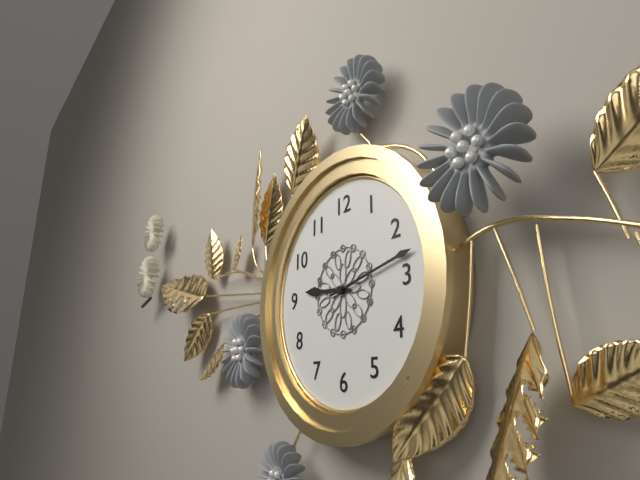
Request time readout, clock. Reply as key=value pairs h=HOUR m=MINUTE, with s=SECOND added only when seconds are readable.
h=9 m=13
